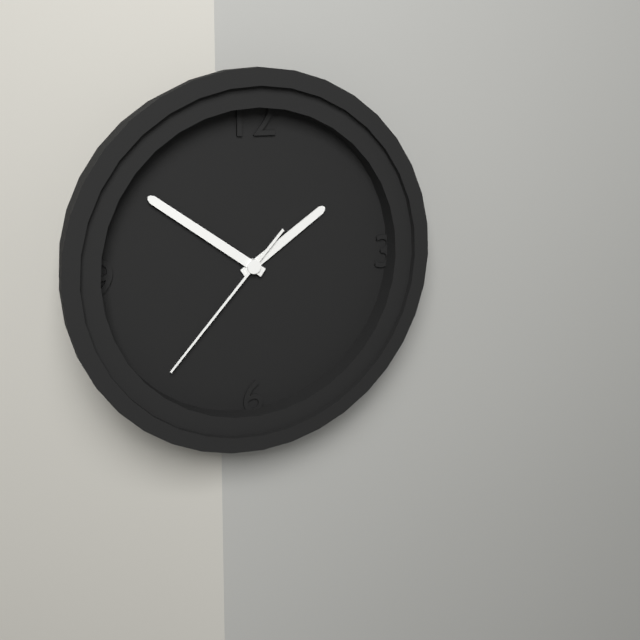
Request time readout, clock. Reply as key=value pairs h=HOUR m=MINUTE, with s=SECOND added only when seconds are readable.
h=1 m=51 s=37
